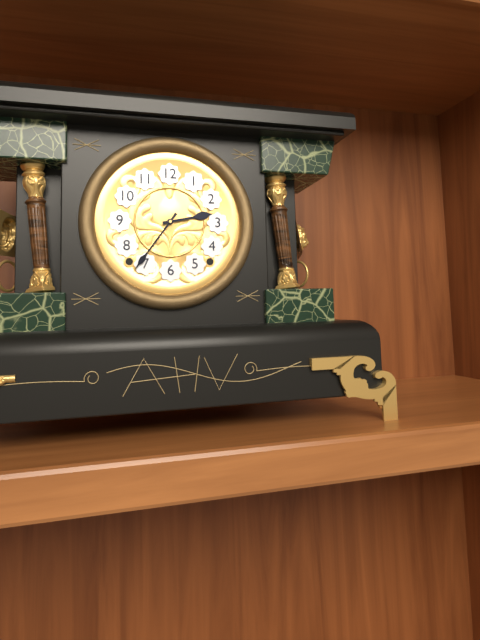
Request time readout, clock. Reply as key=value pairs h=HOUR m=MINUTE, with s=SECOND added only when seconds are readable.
h=2 m=36
